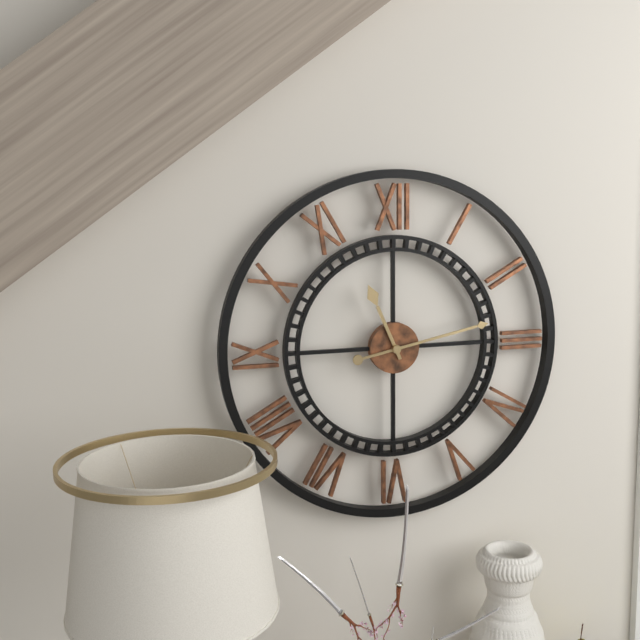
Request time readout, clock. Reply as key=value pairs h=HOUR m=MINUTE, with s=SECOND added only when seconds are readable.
h=11 m=13
